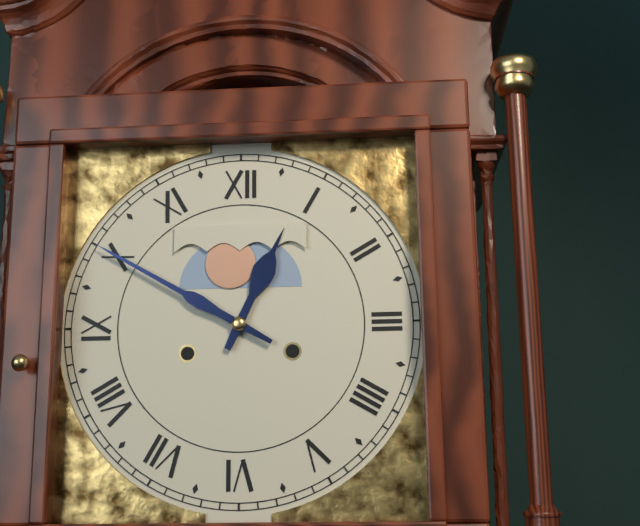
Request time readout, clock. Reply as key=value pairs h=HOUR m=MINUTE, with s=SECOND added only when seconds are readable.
h=12 m=50
